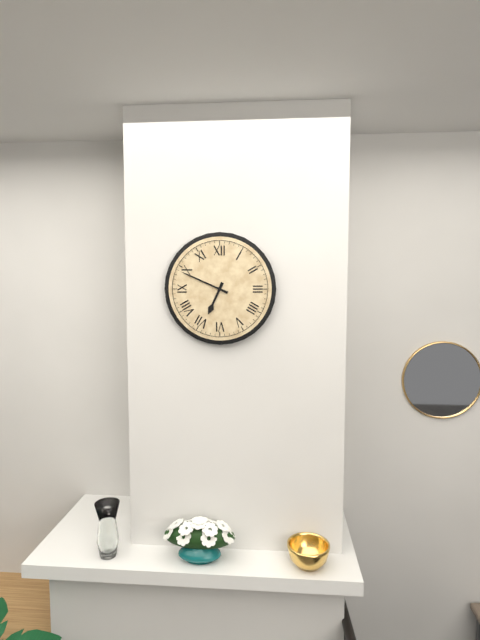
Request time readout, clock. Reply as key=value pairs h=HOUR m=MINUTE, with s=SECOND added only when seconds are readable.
h=6 m=49
